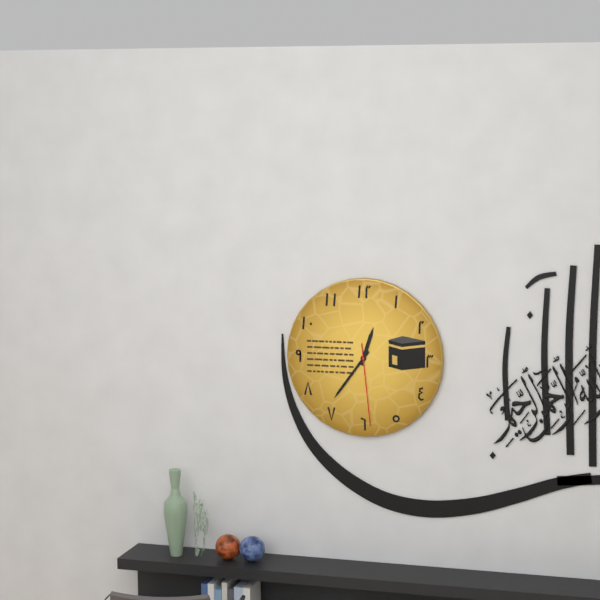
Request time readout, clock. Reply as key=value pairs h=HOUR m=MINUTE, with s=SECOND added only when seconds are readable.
h=12 m=36 s=29
